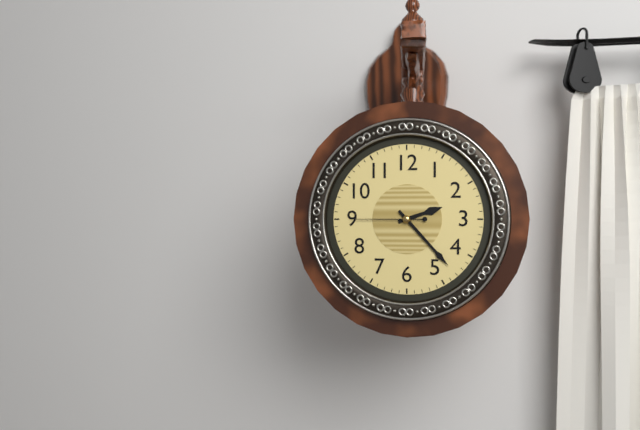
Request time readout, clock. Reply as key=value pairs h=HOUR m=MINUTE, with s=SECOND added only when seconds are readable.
h=2 m=23 s=45
